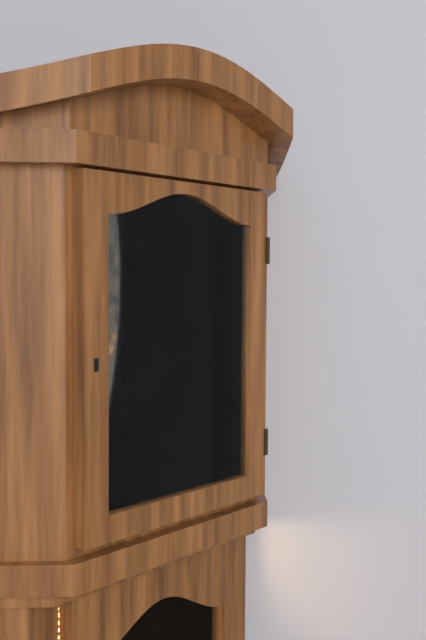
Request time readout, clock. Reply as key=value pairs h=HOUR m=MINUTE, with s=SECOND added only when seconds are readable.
h=8 m=33
